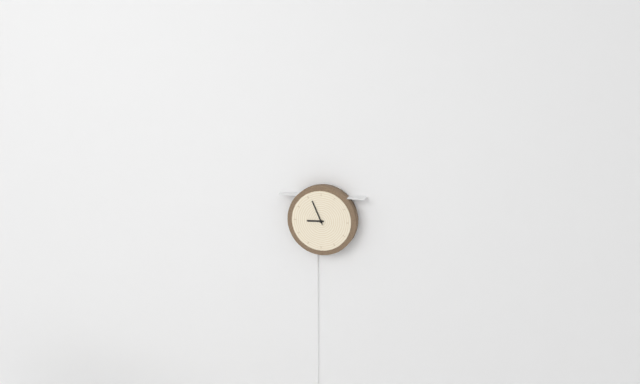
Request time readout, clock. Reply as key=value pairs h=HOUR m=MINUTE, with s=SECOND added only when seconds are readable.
h=8 m=56
